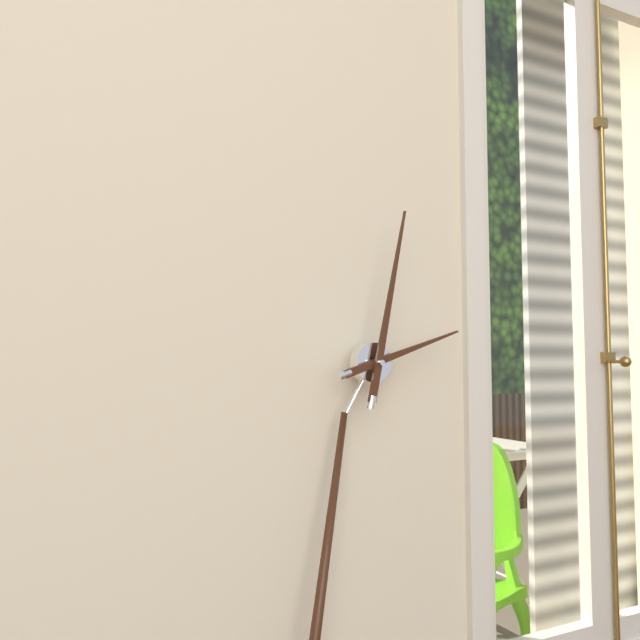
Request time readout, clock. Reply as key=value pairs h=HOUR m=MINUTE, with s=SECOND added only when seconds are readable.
h=2 m=0
